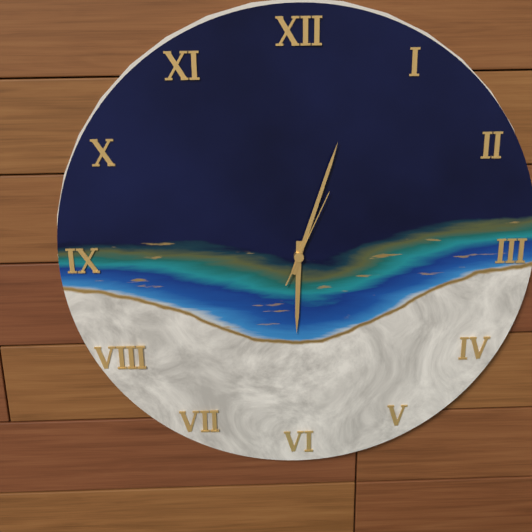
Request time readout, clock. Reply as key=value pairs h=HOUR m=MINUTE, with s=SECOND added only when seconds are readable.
h=6 m=3 s=4
